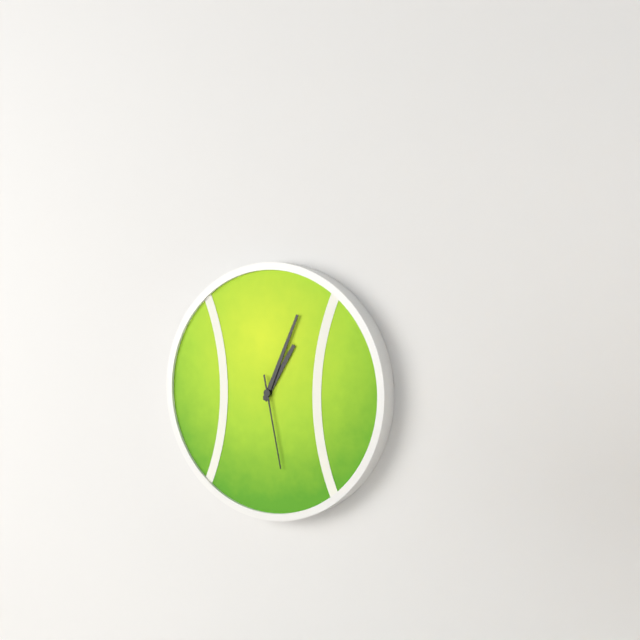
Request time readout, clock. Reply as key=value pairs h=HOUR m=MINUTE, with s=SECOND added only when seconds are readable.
h=1 m=4 s=28
